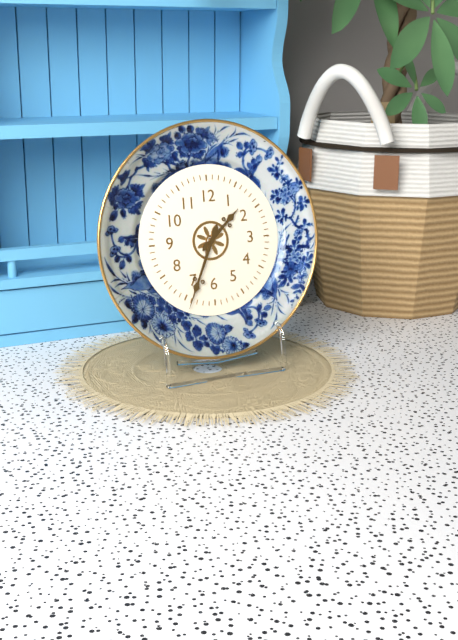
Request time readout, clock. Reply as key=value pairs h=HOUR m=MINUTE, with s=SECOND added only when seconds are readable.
h=1 m=34
